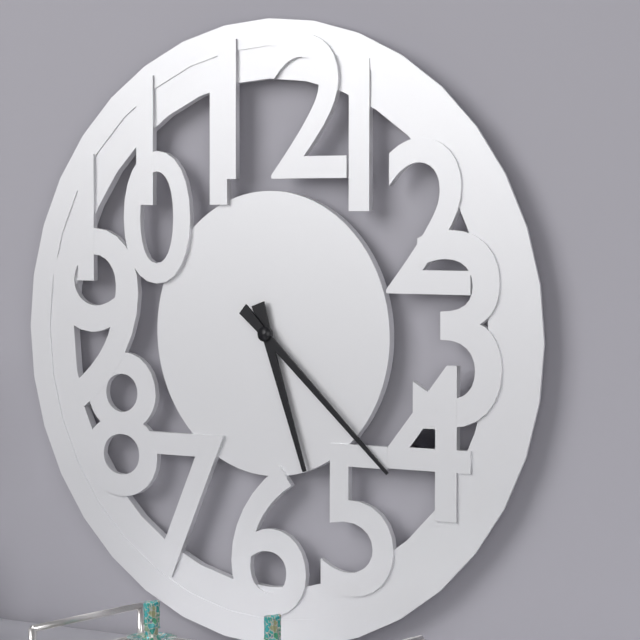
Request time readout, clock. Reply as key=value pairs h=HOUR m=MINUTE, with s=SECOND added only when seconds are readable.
h=5 m=22
